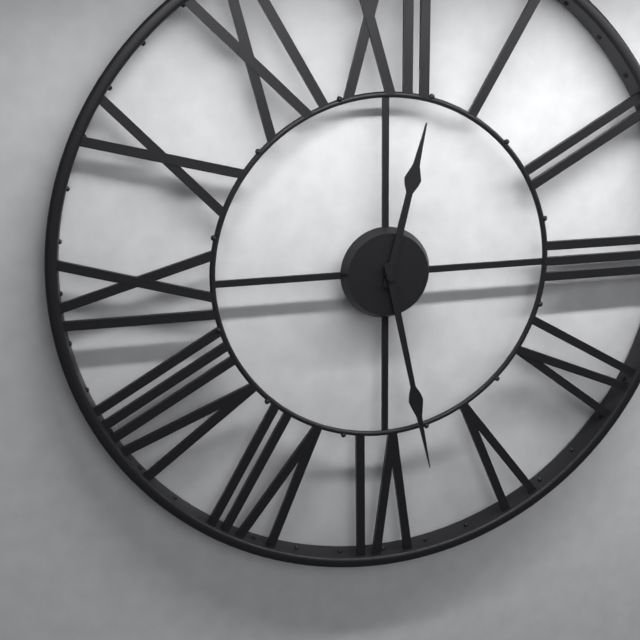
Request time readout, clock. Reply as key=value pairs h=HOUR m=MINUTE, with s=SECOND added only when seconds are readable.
h=12 m=28
